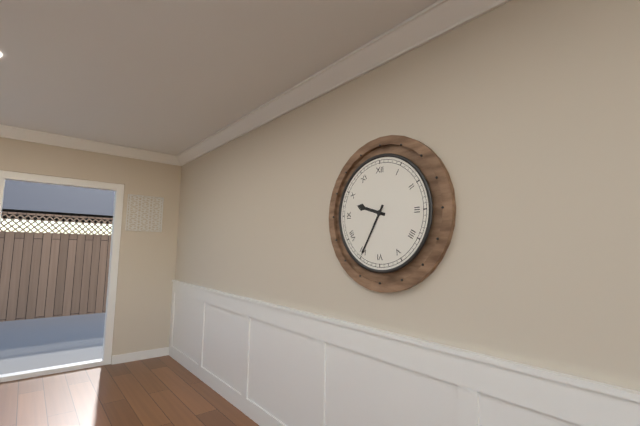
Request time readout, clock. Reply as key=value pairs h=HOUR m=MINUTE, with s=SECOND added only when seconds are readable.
h=9 m=35
